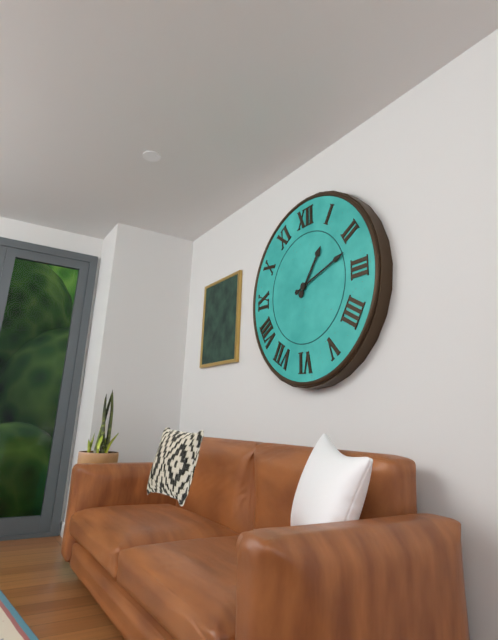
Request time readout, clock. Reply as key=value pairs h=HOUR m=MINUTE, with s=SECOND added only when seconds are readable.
h=1 m=12
